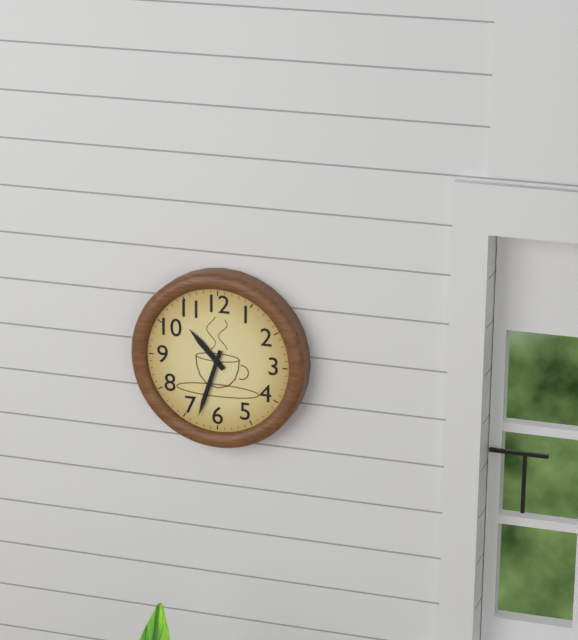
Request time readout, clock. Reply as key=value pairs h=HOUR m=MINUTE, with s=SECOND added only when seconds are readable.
h=10 m=33
